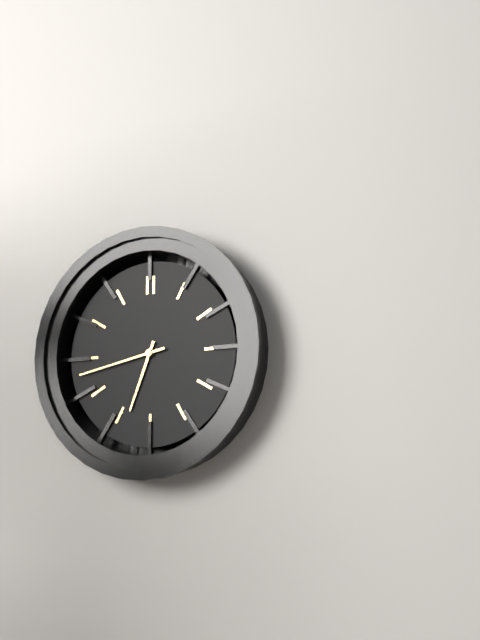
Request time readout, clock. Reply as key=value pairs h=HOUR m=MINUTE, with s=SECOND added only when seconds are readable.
h=6 m=43
